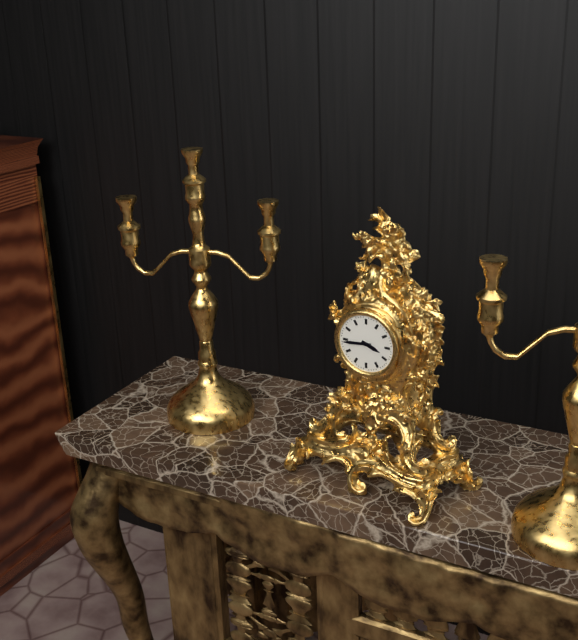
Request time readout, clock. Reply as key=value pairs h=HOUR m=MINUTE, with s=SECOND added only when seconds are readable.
h=3 m=44
